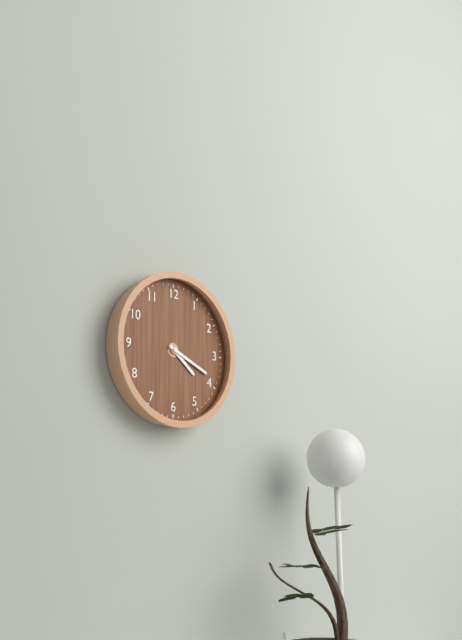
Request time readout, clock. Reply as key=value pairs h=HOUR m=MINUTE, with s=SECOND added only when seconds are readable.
h=4 m=19
